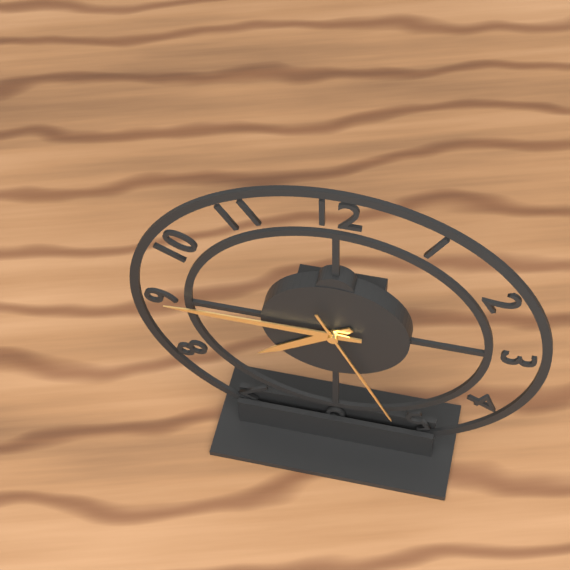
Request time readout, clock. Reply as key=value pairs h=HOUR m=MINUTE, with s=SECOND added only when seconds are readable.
h=7 m=45 s=26
